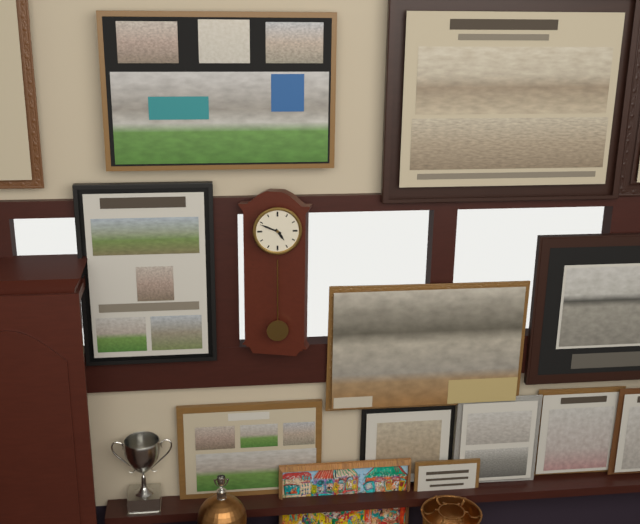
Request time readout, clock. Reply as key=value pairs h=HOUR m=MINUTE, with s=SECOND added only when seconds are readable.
h=4 m=49
